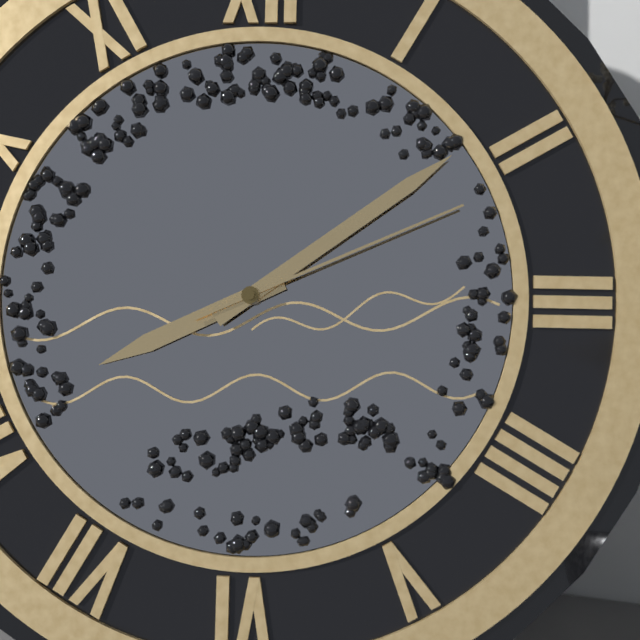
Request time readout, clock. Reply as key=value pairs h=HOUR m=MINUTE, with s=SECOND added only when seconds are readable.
h=8 m=9 s=11
